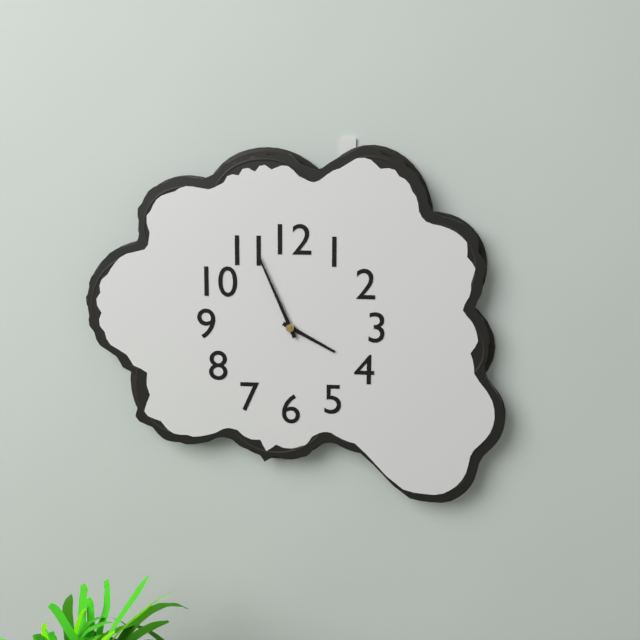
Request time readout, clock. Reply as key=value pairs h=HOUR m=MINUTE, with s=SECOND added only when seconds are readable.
h=3 m=56
